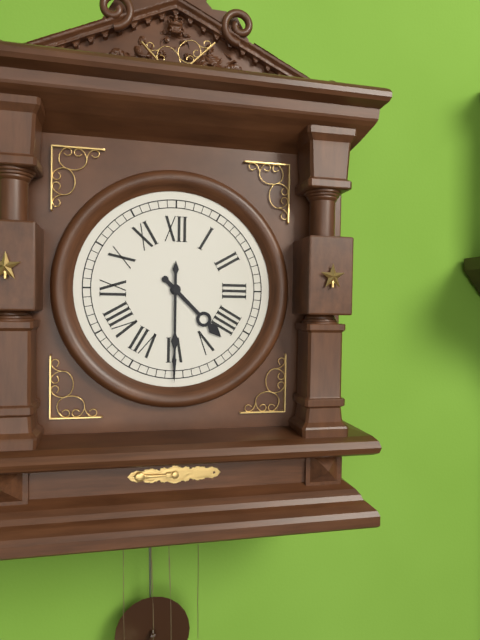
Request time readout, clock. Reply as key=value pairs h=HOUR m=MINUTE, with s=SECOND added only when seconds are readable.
h=4 m=30
